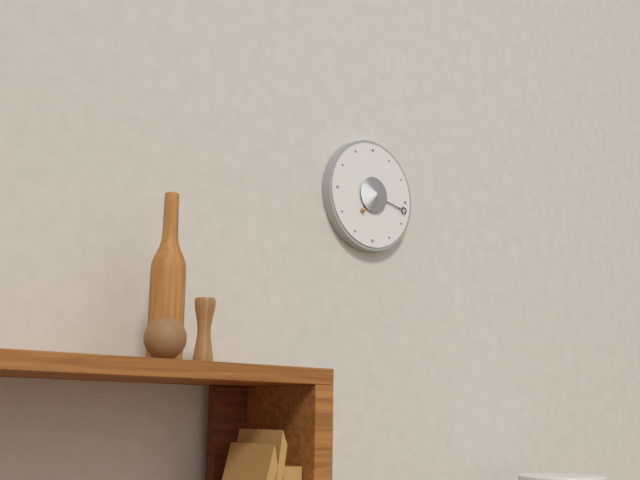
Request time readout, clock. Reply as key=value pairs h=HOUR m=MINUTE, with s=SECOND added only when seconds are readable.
h=7 m=17
